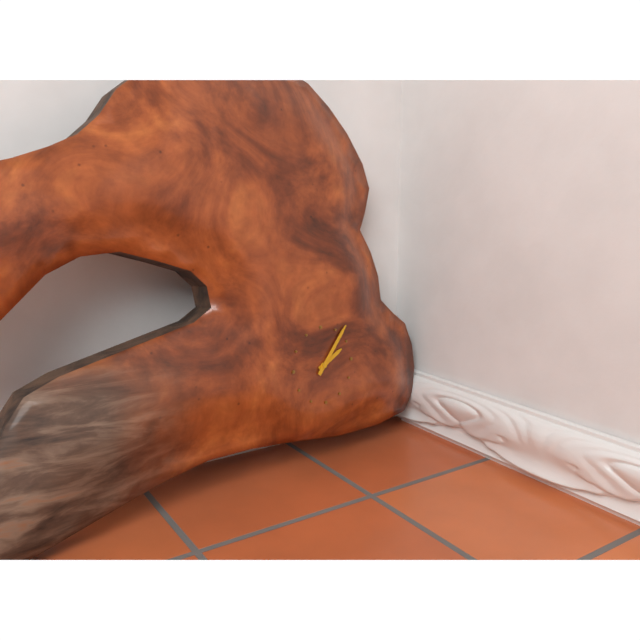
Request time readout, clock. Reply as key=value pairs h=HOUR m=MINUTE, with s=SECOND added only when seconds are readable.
h=2 m=7
